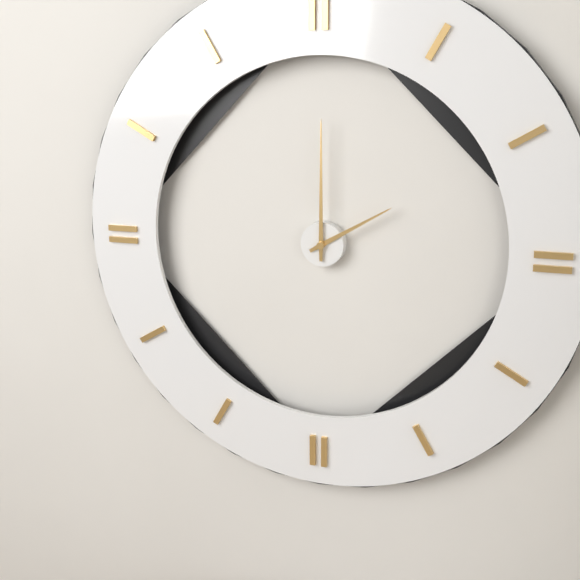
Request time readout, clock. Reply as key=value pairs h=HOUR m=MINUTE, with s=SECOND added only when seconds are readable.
h=2 m=0
